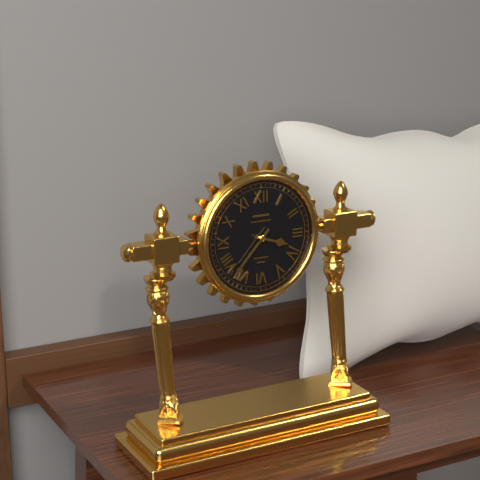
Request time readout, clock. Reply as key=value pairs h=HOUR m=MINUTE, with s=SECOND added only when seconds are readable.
h=3 m=37
